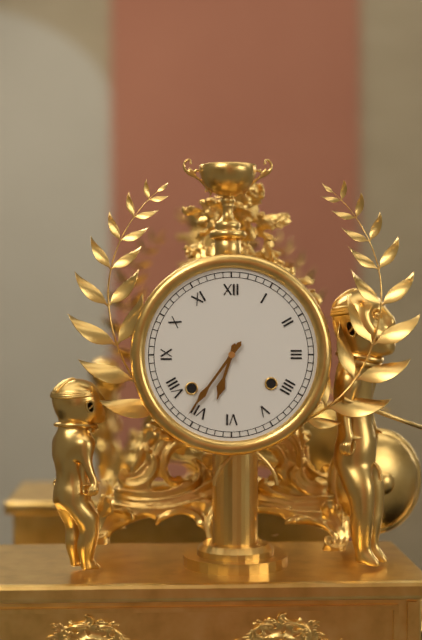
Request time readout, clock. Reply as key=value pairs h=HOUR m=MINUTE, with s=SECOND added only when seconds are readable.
h=6 m=36
